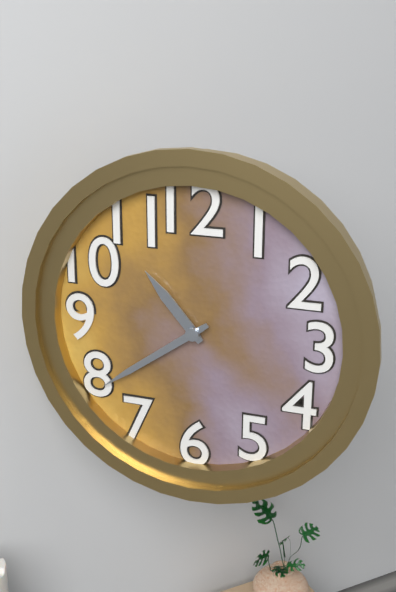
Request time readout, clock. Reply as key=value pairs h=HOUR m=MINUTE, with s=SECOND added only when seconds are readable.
h=10 m=39
